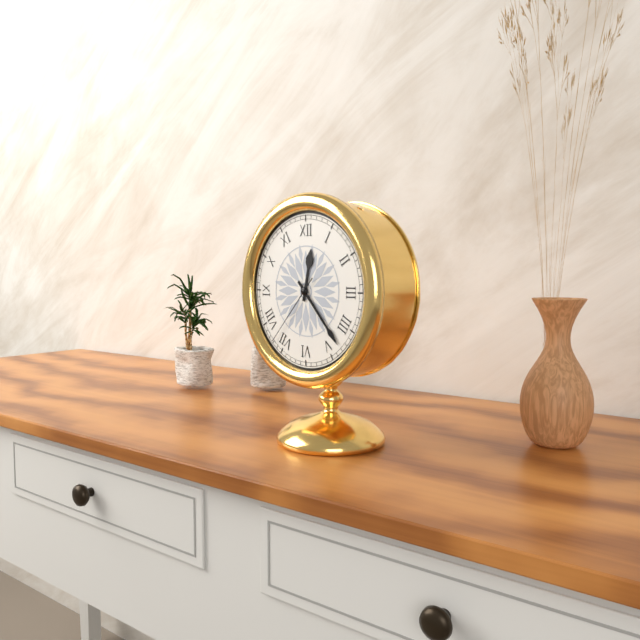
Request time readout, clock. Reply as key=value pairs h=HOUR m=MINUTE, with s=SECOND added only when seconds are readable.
h=12 m=23 s=37
